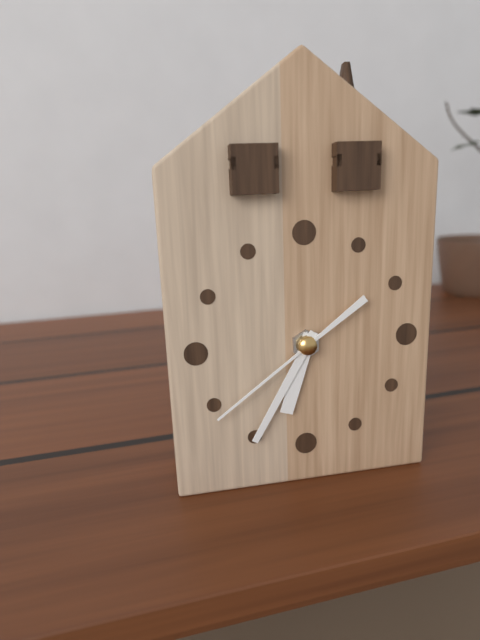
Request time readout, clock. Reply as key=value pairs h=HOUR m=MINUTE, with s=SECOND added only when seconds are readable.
h=6 m=35 s=39
